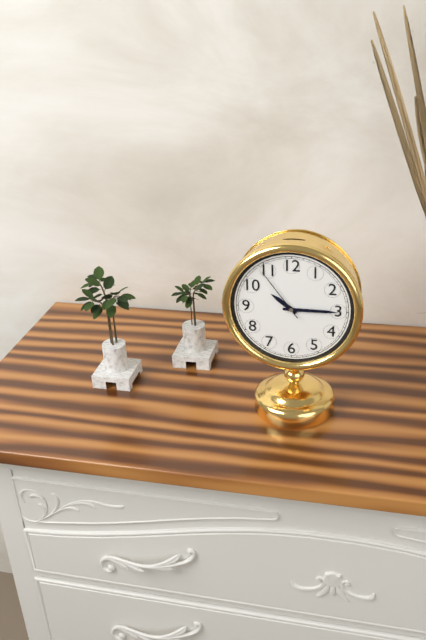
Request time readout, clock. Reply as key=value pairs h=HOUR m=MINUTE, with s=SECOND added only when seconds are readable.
h=10 m=15 s=54
